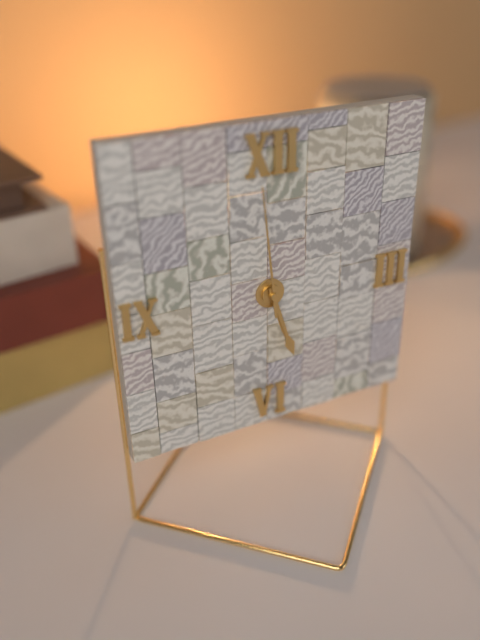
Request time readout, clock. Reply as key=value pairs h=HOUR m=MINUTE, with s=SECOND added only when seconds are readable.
h=5 m=27 s=59
